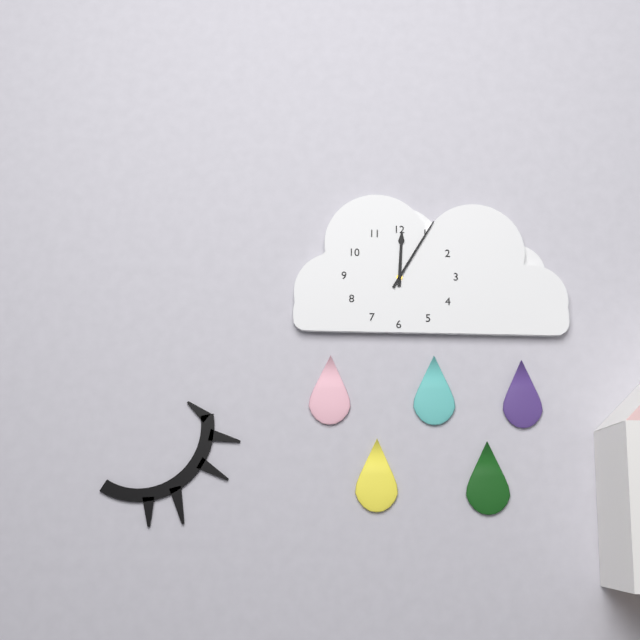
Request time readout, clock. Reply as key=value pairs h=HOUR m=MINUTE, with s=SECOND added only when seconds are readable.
h=12 m=5
